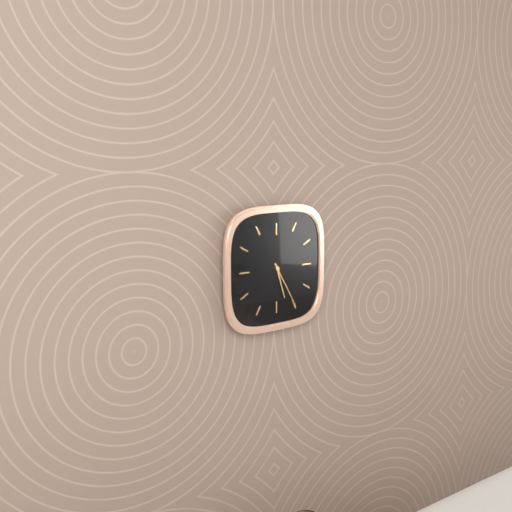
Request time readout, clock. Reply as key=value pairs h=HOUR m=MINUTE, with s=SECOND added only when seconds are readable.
h=5 m=25
